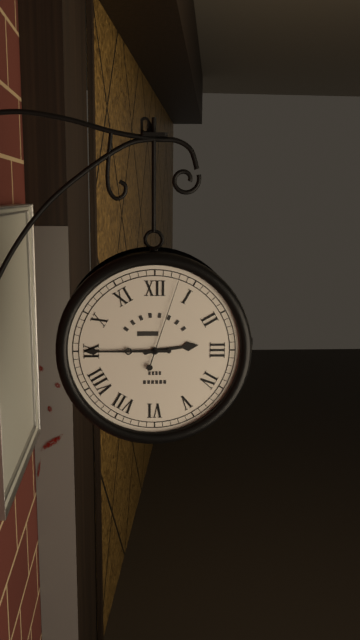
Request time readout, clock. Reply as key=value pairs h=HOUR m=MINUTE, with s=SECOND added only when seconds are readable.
h=2 m=45 s=3
